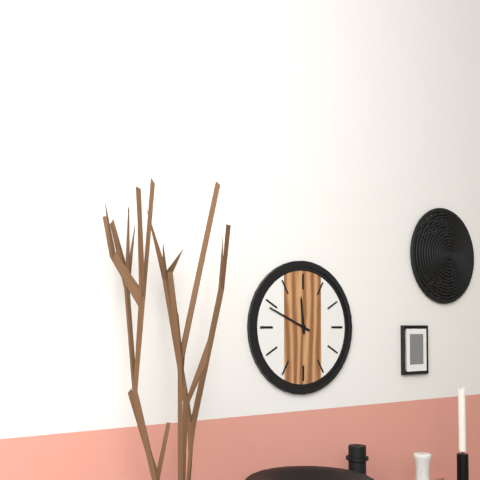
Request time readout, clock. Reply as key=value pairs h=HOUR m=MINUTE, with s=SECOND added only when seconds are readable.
h=11 m=49
